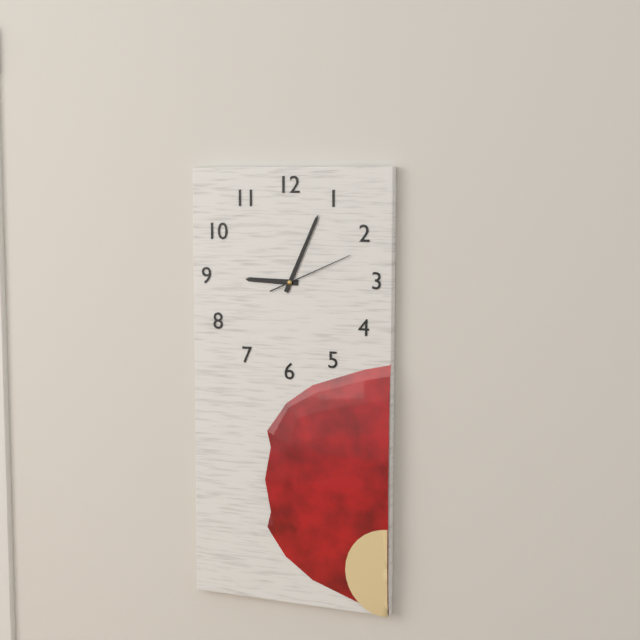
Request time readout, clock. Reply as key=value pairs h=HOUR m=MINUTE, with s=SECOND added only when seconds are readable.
h=9 m=4 s=11
